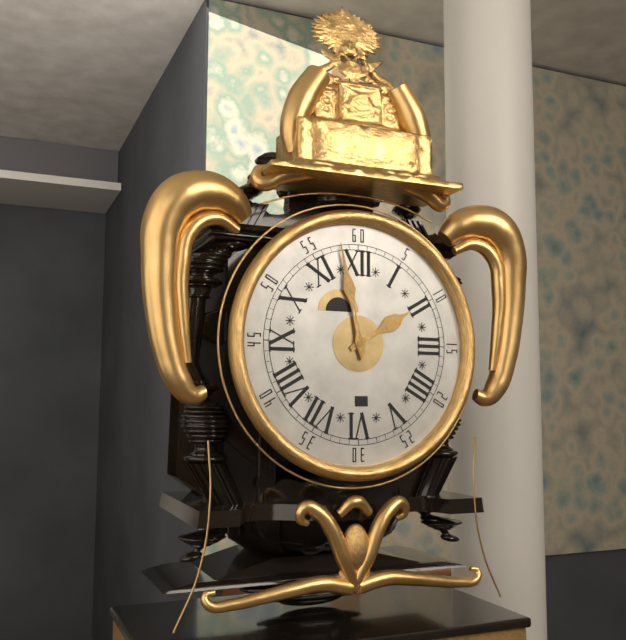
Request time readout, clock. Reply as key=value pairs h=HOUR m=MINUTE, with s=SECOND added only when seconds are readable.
h=1 m=58
